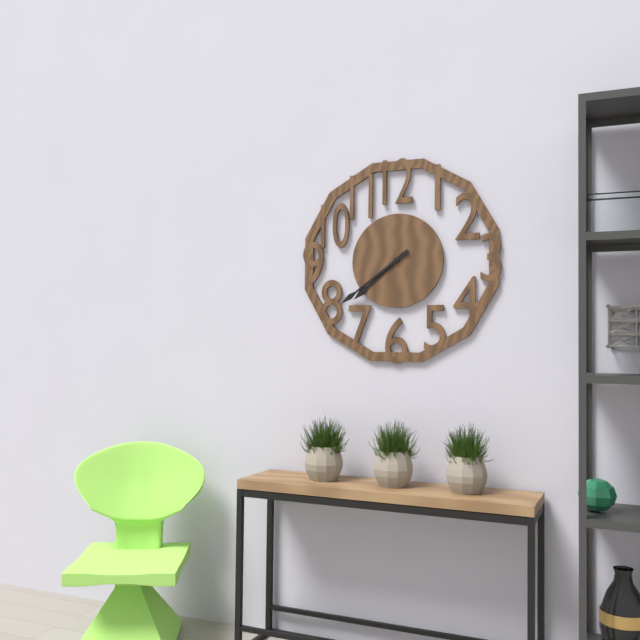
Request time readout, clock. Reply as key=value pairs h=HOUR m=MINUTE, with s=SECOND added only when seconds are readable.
h=7 m=39
